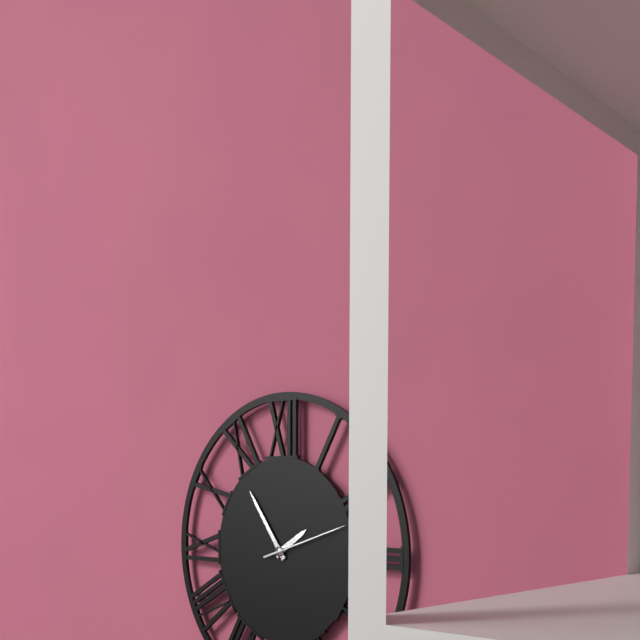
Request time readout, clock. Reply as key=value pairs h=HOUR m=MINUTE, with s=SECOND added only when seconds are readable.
h=1 m=54 s=12
